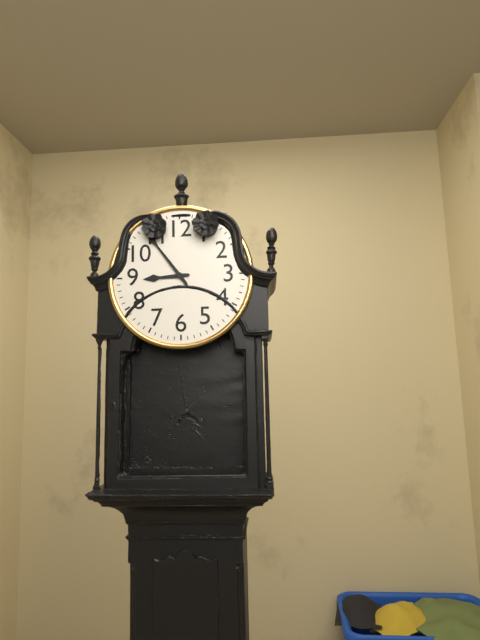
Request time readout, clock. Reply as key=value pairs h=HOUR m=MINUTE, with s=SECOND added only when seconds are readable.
h=8 m=54
